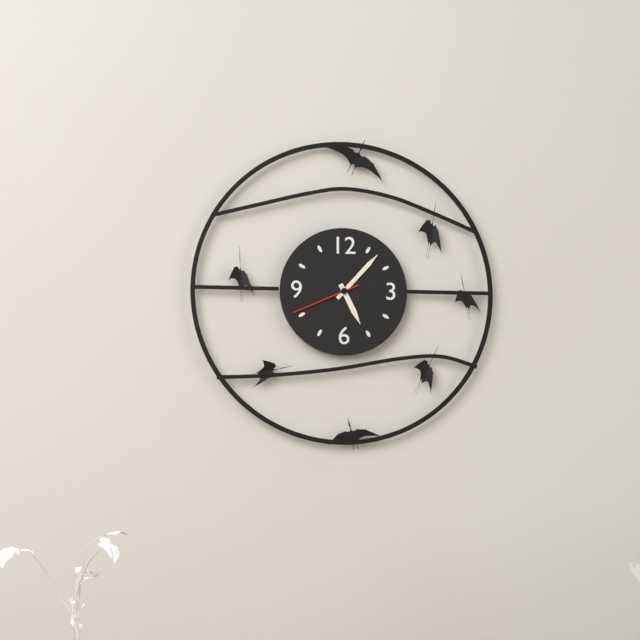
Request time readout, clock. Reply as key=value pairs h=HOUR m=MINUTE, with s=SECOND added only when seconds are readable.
h=5 m=7 s=41
